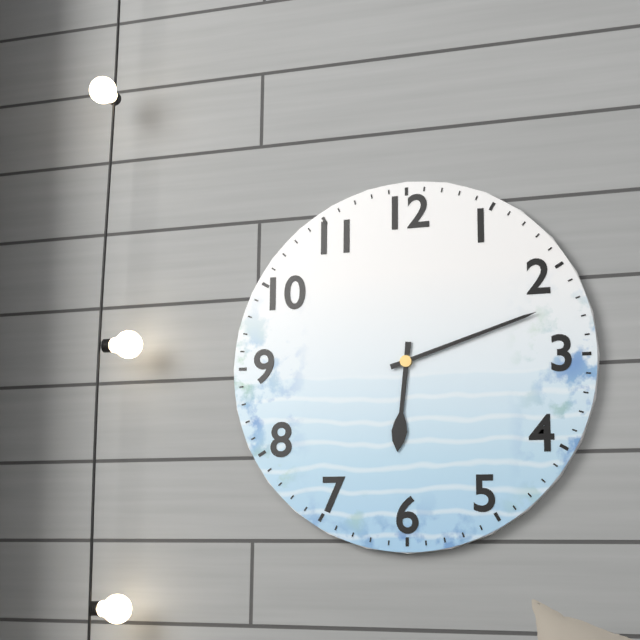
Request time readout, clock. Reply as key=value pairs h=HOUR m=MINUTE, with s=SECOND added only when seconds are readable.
h=6 m=12
